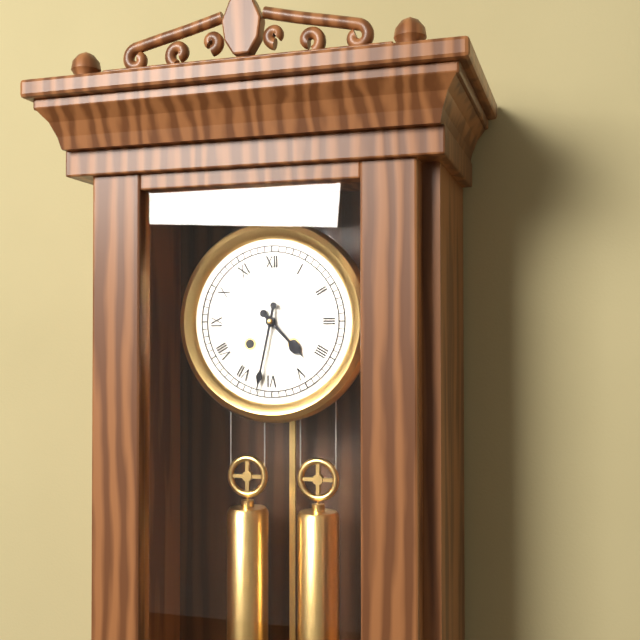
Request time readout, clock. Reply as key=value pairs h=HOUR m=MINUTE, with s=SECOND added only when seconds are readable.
h=4 m=32
